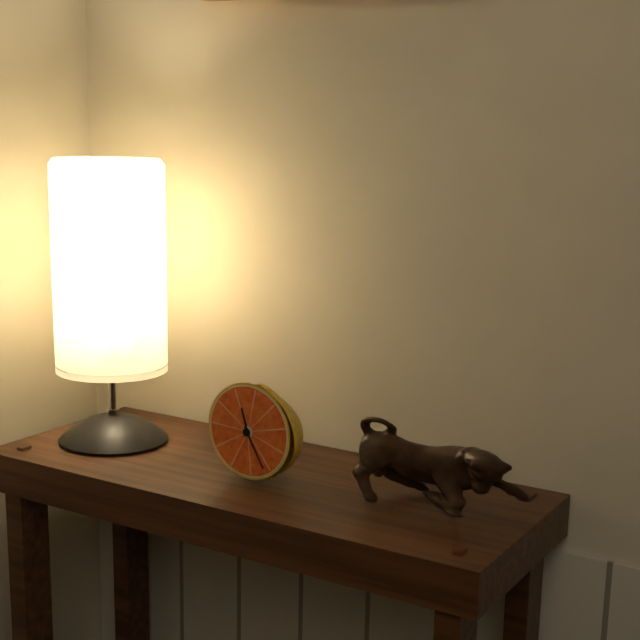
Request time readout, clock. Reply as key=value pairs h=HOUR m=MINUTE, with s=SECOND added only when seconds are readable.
h=11 m=25
